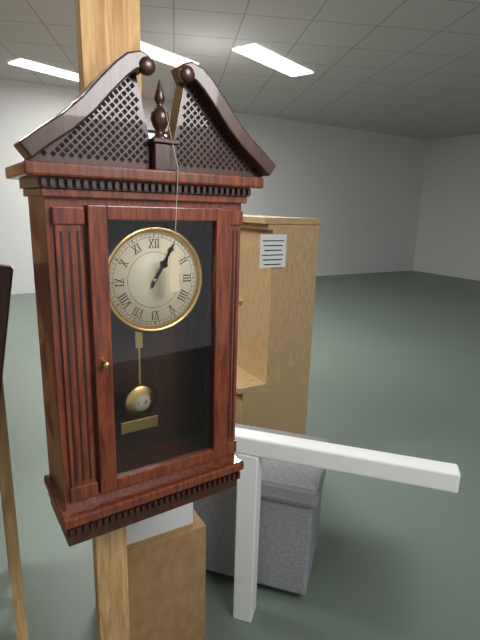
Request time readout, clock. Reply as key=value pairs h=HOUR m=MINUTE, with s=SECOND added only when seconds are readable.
h=1 m=5
